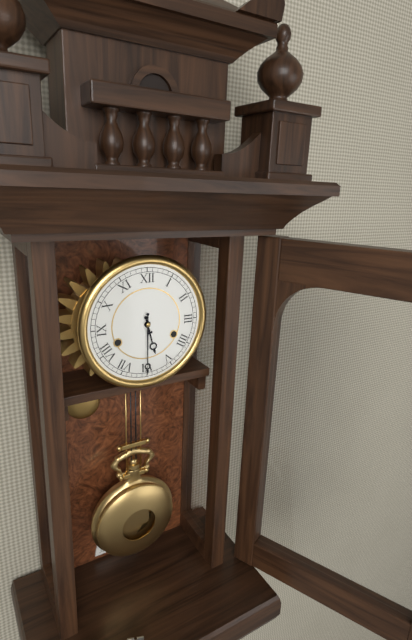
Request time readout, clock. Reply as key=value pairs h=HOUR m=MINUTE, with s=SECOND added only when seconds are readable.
h=5 m=30
